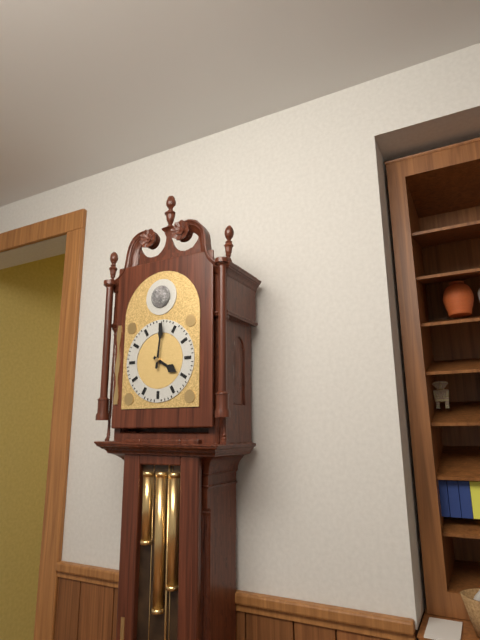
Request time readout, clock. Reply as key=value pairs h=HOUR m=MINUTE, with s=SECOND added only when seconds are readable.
h=4 m=1
